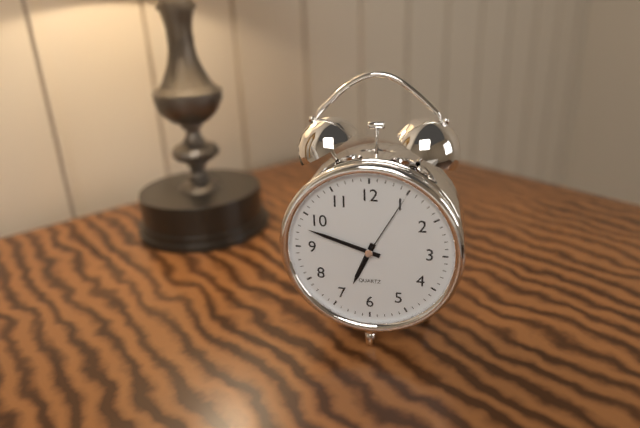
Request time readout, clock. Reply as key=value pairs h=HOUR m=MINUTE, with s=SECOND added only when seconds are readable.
h=6 m=48 s=5
